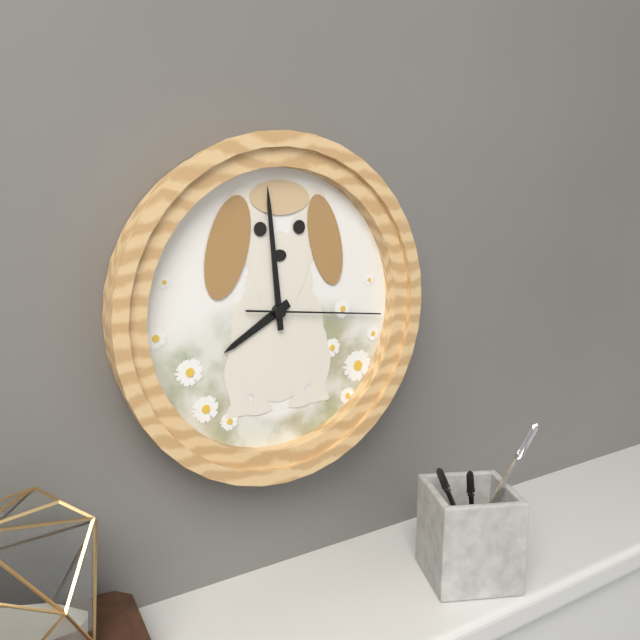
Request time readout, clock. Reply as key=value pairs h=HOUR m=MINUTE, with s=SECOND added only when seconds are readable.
h=7 m=59 s=16
